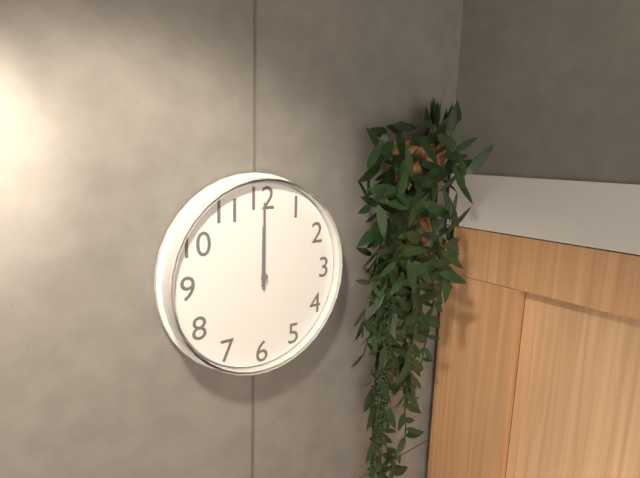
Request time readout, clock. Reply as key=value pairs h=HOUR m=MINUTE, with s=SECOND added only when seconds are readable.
h=12 m=0
